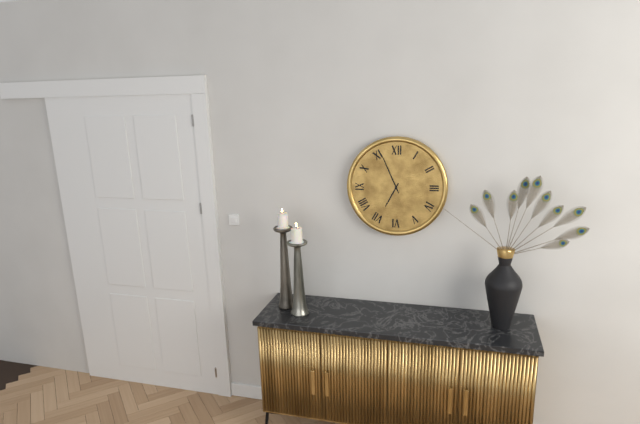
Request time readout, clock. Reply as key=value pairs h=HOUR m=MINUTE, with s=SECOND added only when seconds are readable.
h=6 m=56
